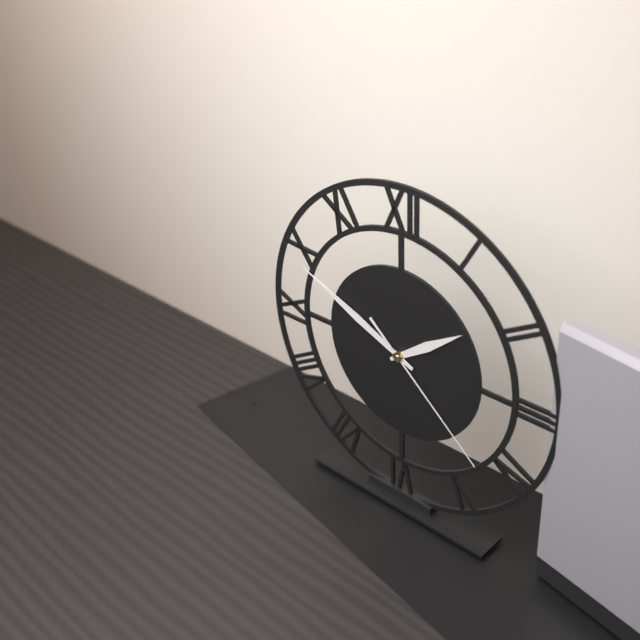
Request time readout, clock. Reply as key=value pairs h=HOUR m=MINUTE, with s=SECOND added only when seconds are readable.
h=1 m=49 s=22
